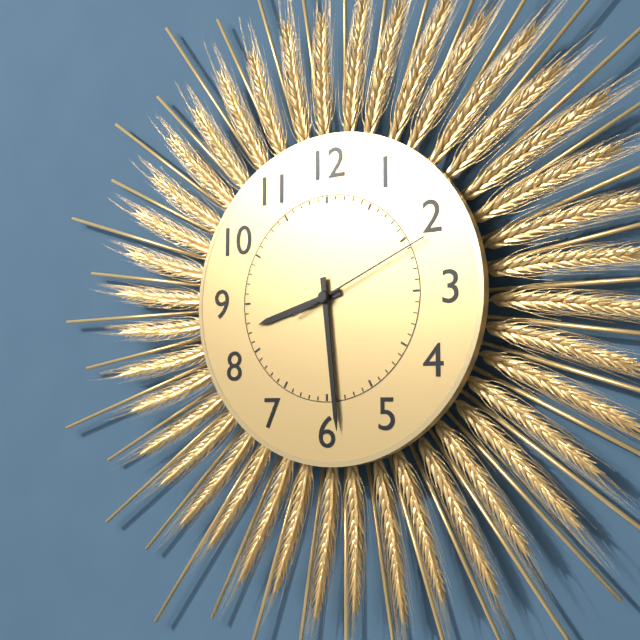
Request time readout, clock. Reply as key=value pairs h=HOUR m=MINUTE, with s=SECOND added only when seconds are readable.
h=8 m=29 s=11
